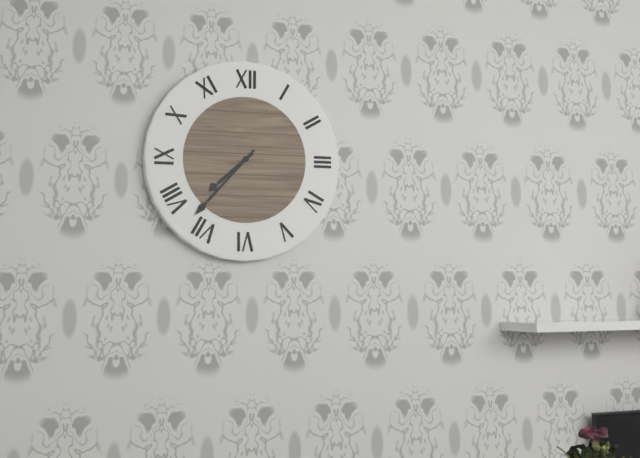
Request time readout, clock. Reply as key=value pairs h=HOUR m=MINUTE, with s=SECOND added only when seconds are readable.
h=7 m=37
